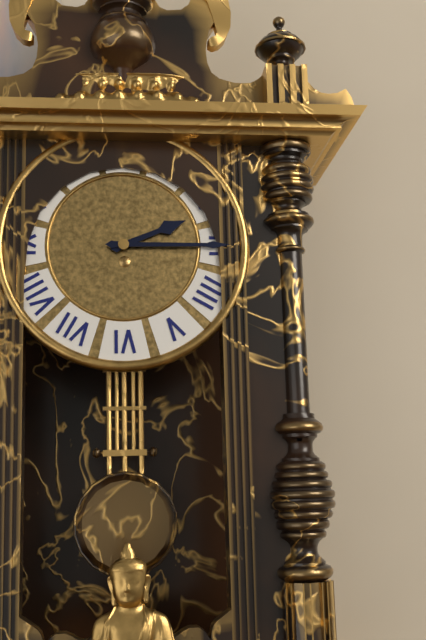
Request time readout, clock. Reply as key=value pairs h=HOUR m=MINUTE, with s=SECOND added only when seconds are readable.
h=2 m=15
